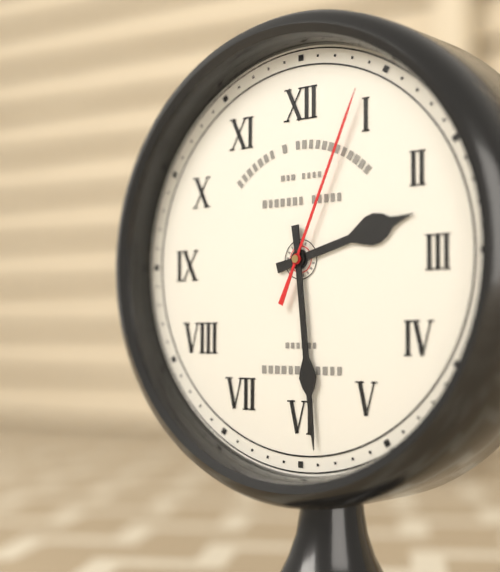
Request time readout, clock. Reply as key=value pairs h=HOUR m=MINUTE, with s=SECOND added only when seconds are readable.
h=2 m=29 s=4
